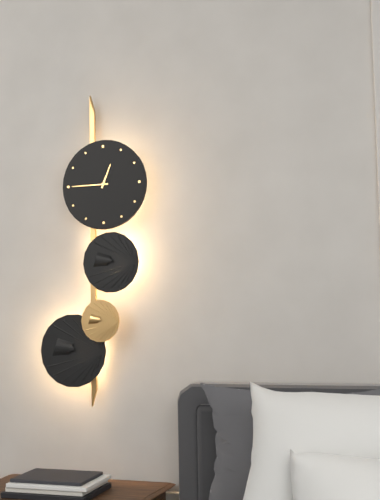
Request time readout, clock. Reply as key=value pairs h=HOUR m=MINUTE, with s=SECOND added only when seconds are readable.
h=12 m=45
